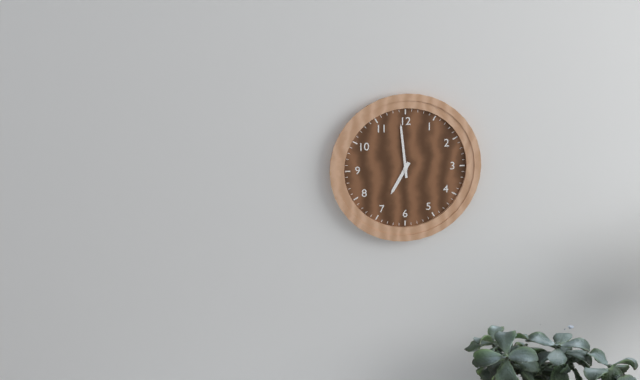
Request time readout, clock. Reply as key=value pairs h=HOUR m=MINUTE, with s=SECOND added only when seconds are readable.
h=6 m=59
